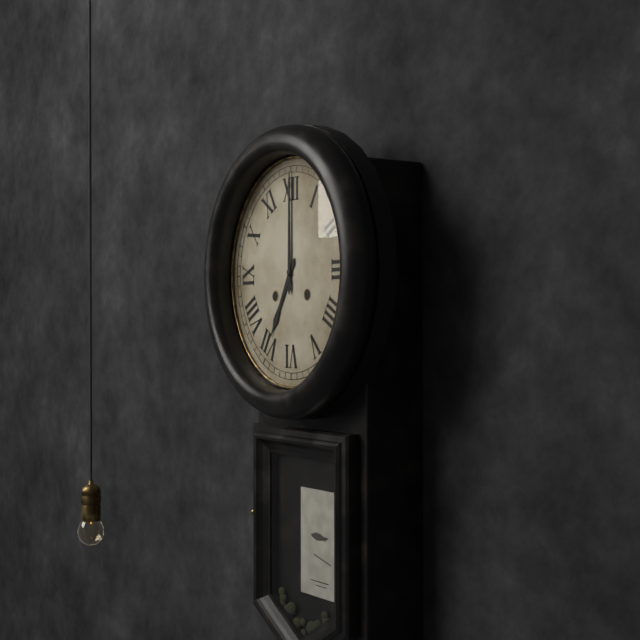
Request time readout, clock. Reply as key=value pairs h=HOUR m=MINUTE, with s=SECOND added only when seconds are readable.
h=7 m=0
